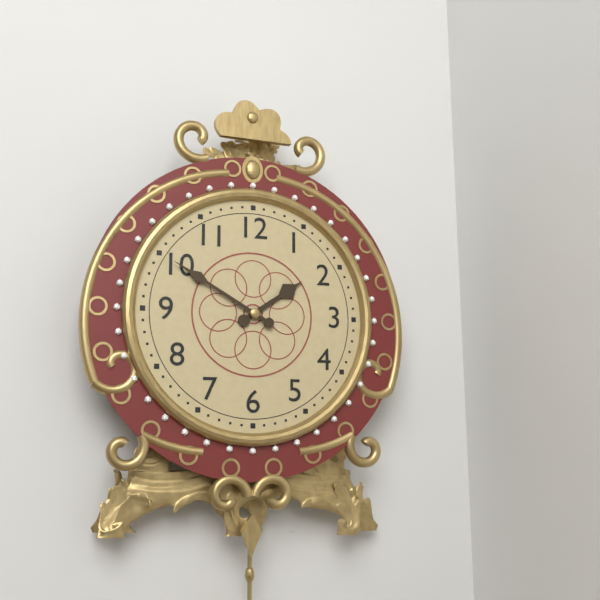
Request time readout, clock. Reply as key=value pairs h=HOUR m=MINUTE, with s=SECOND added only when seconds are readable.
h=1 m=50
